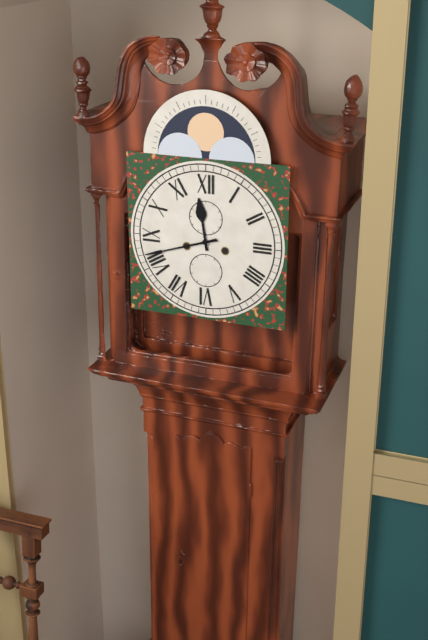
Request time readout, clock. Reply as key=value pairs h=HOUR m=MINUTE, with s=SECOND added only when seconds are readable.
h=11 m=42
